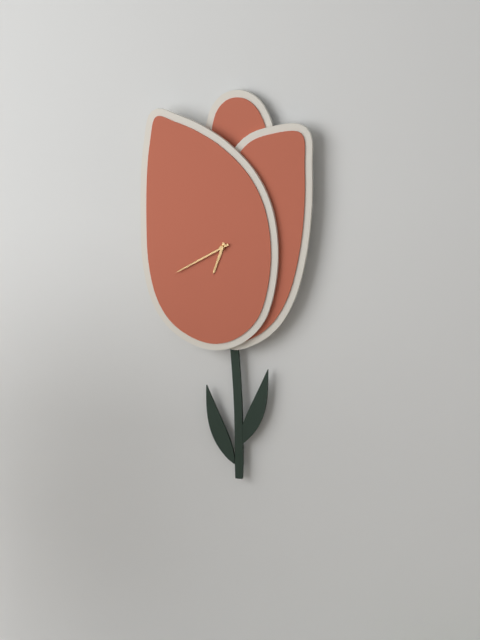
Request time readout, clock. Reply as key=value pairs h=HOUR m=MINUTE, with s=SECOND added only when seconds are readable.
h=6 m=40
